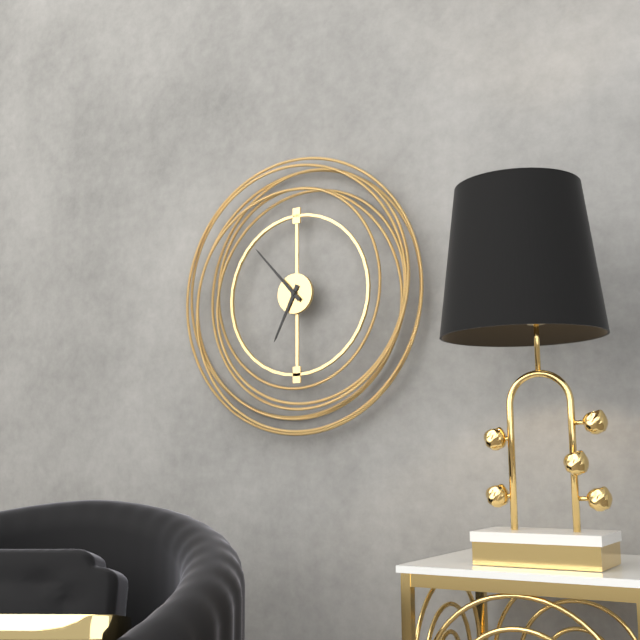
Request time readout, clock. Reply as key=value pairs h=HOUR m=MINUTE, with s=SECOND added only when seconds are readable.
h=6 m=53
